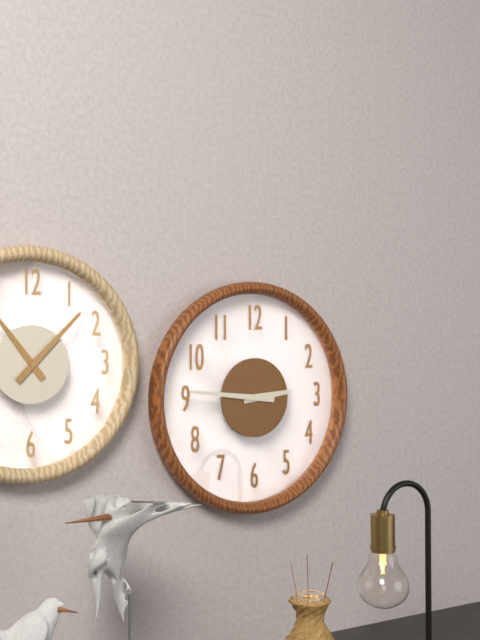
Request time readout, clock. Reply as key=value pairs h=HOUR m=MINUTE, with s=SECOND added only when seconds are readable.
h=2 m=46
